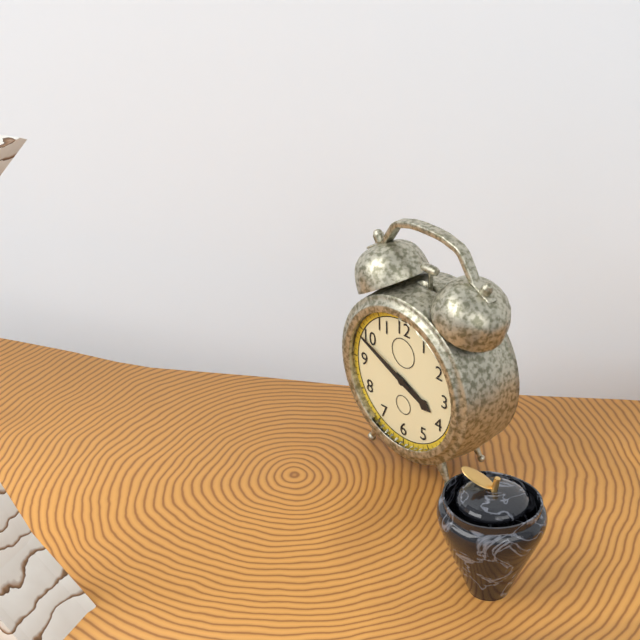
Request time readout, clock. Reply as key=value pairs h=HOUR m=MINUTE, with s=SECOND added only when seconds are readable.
h=3 m=49
